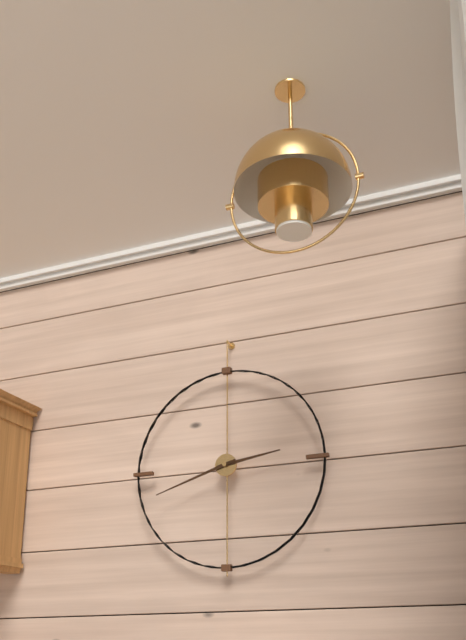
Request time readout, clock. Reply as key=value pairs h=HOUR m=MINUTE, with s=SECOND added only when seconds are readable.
h=2 m=42
